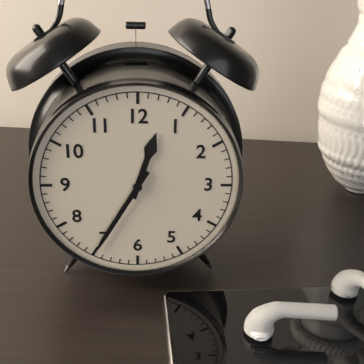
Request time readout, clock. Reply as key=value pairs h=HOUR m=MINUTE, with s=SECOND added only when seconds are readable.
h=12 m=35
